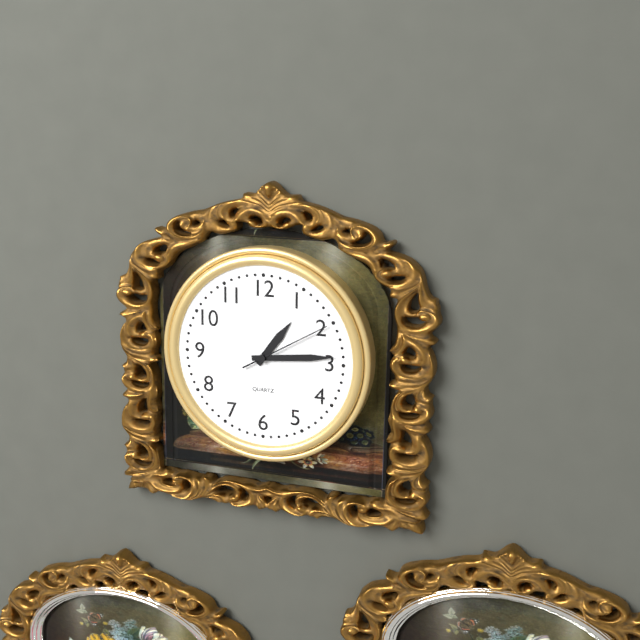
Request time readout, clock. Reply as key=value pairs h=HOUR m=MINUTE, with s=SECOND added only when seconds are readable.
h=1 m=14 s=10
